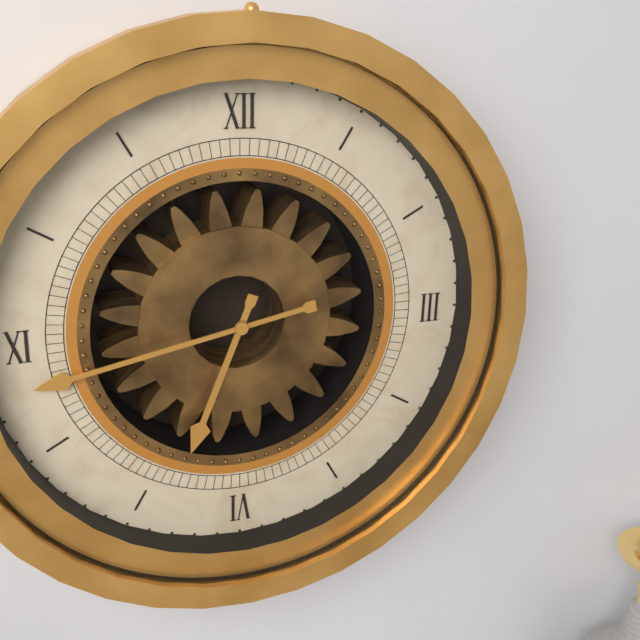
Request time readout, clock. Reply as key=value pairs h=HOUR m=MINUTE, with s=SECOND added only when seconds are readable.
h=6 m=43
